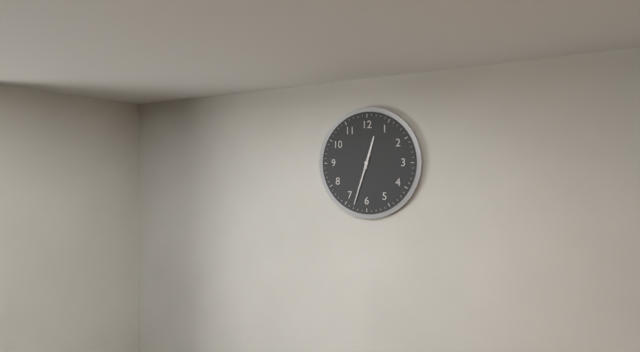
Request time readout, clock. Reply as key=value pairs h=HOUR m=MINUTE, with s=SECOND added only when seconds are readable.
h=12 m=33
